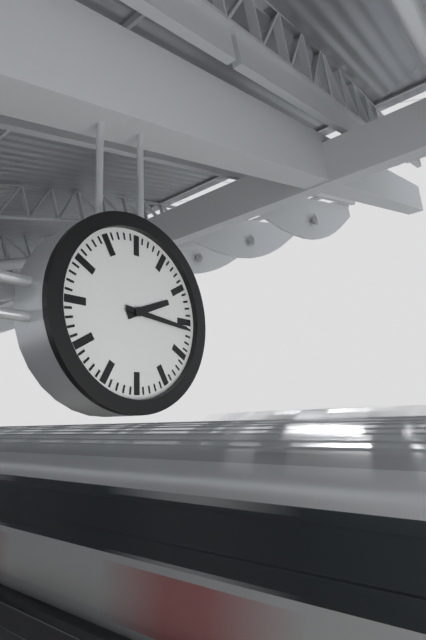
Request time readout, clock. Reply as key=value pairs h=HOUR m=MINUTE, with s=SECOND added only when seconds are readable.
h=2 m=16
